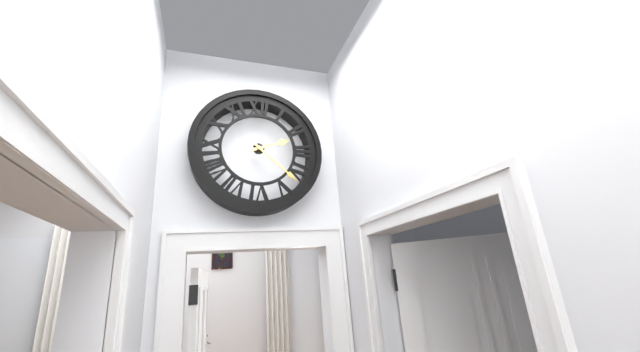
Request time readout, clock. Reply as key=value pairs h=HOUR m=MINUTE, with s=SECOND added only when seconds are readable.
h=2 m=22
